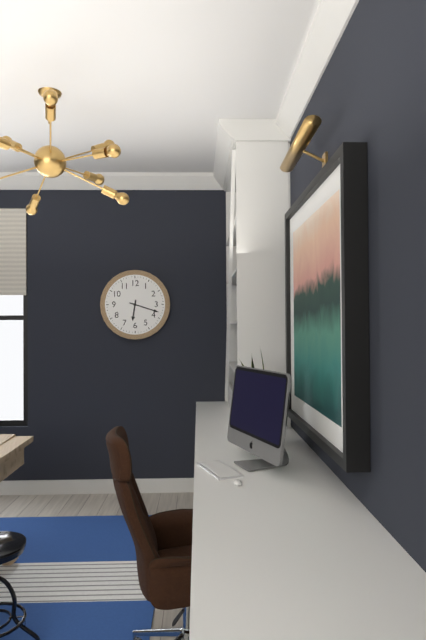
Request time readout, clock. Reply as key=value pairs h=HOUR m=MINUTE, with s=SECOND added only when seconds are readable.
h=6 m=18
